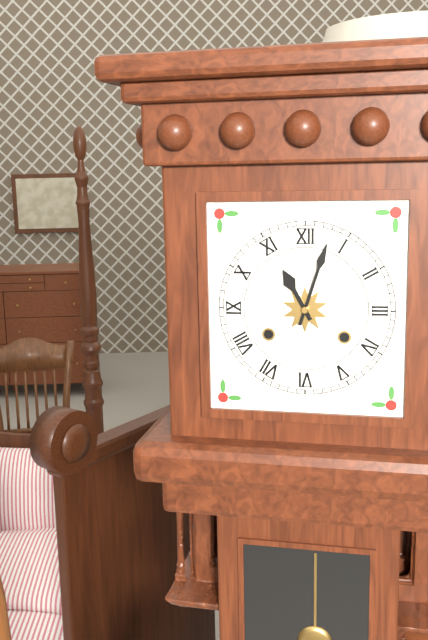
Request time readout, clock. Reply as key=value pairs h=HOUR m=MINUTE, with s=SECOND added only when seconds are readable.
h=11 m=3
